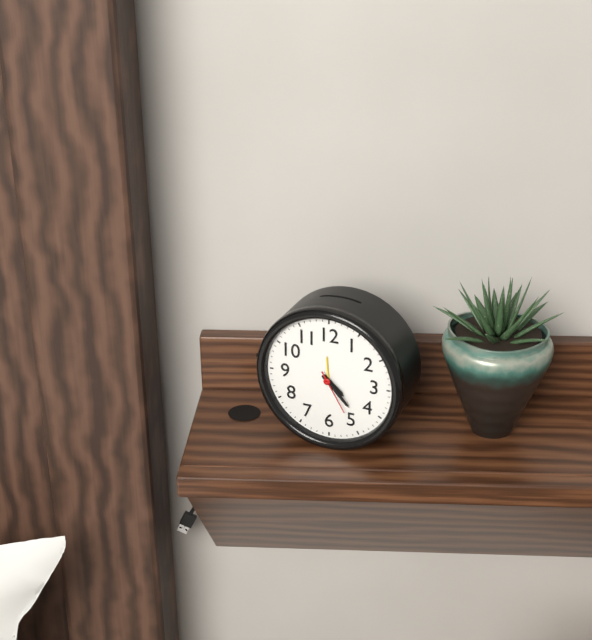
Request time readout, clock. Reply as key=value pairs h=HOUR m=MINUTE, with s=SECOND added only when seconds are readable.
h=4 m=23
